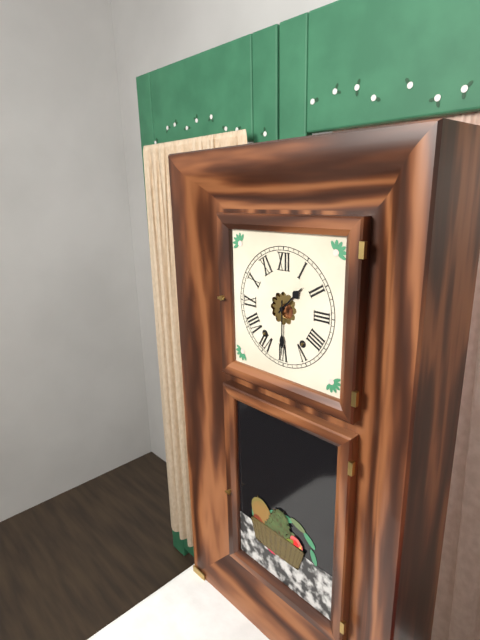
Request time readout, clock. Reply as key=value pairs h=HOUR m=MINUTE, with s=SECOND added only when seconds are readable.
h=1 m=30
